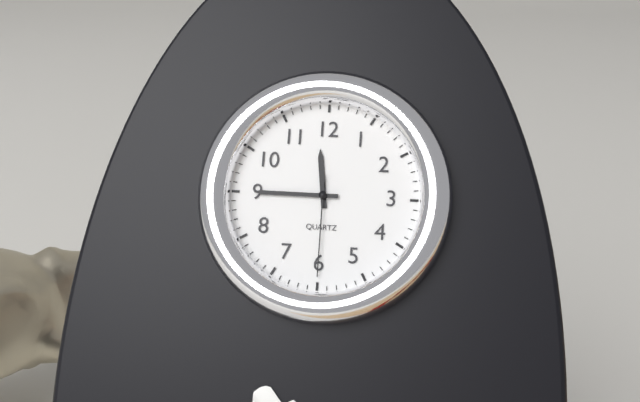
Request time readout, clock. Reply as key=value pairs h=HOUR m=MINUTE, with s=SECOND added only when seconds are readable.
h=11 m=45 s=30
